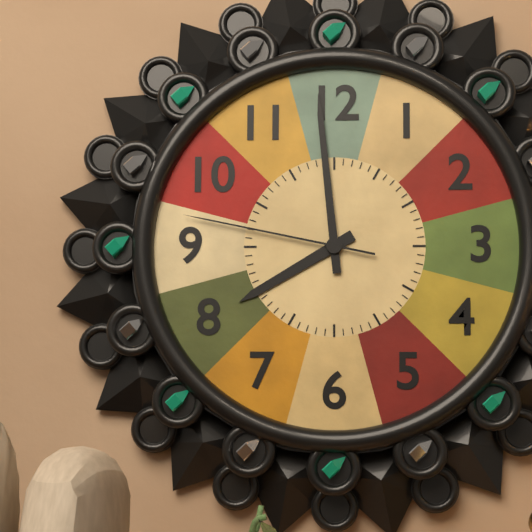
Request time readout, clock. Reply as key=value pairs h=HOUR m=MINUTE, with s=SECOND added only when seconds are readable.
h=7 m=59 s=47
